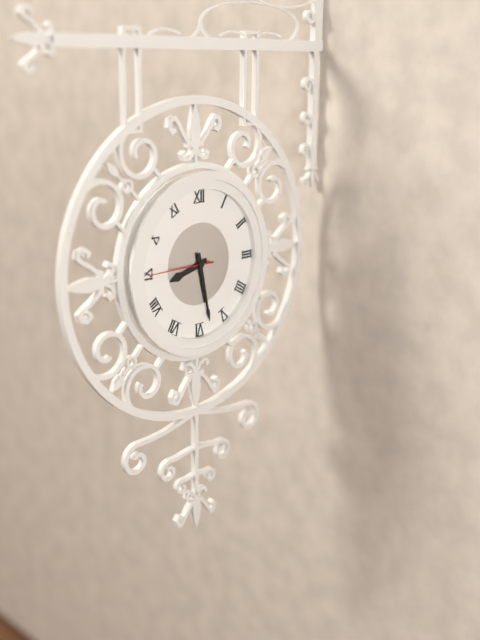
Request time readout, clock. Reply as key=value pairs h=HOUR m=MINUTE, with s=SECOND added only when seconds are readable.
h=8 m=28 s=45
